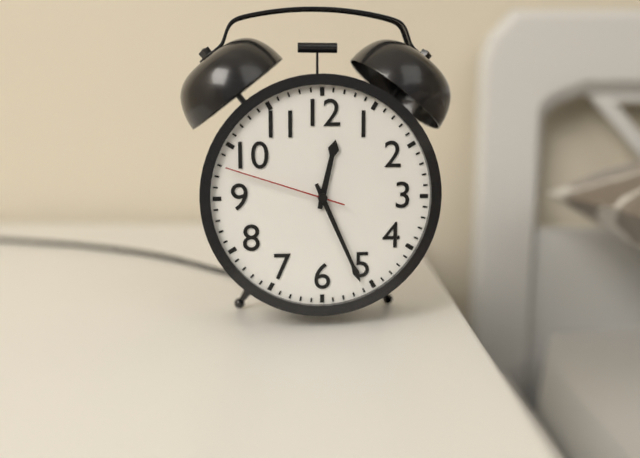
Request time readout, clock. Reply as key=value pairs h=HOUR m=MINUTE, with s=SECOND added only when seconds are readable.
h=12 m=26 s=48
